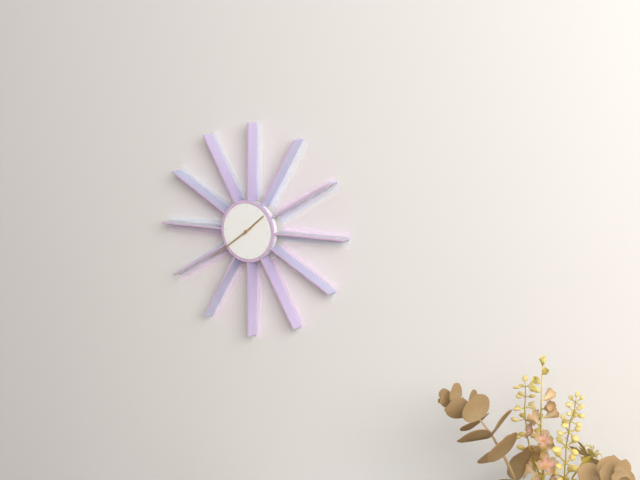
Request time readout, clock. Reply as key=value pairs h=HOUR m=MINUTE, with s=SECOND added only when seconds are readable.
h=1 m=39
